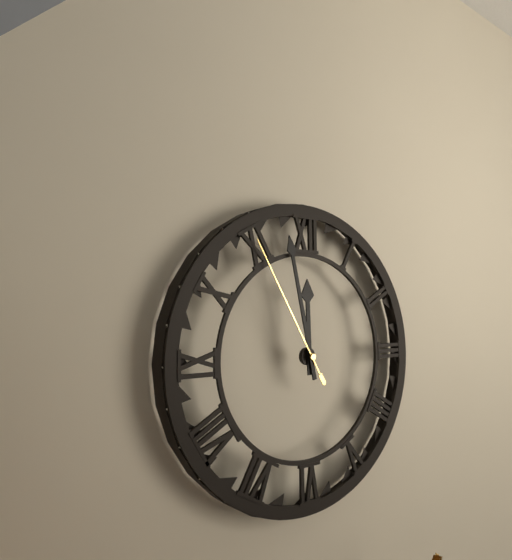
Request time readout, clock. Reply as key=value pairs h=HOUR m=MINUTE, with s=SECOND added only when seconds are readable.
h=11 m=58 s=55
